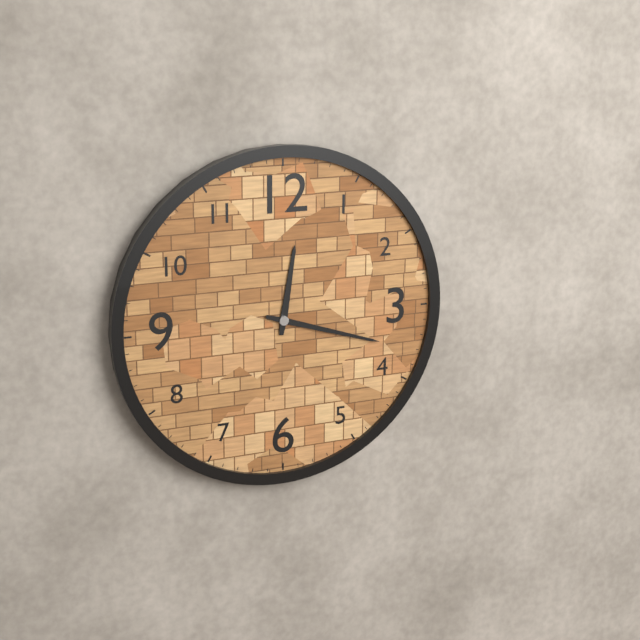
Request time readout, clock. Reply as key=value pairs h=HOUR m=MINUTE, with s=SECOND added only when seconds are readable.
h=12 m=18
